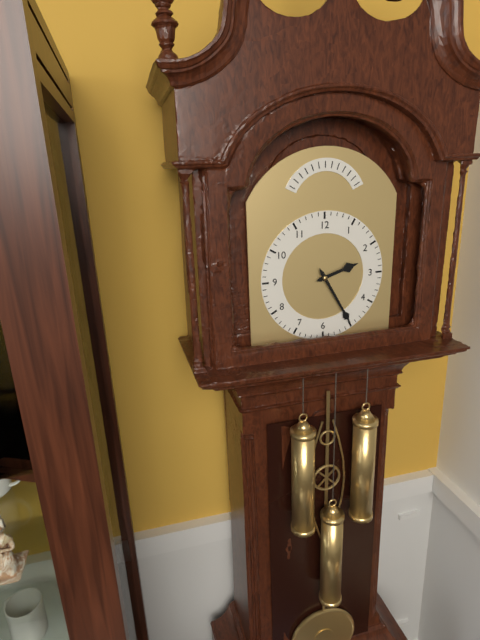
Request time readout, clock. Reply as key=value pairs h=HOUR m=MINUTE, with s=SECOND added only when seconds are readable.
h=2 m=25
